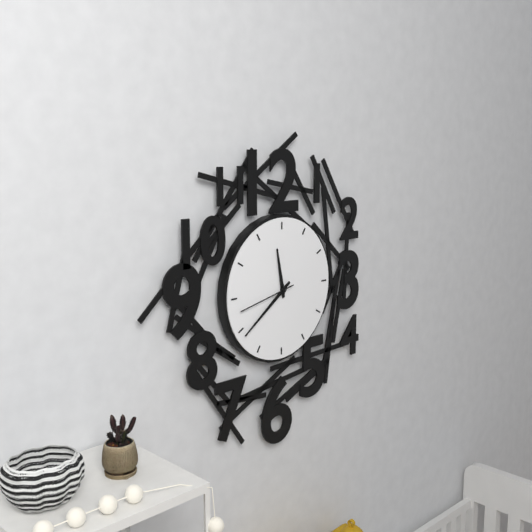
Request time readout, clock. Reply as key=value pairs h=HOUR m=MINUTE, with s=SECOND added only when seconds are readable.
h=11 m=39
